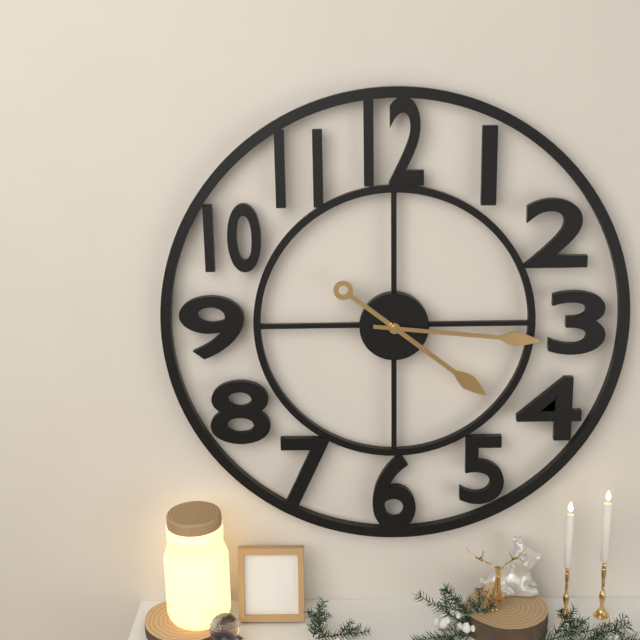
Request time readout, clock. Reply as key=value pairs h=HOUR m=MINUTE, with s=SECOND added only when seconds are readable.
h=4 m=16
